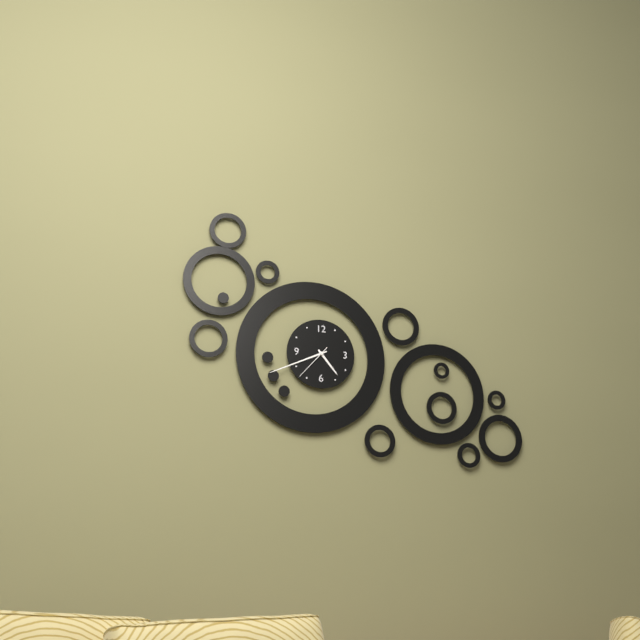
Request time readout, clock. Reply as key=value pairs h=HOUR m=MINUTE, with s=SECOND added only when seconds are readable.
h=4 m=41
